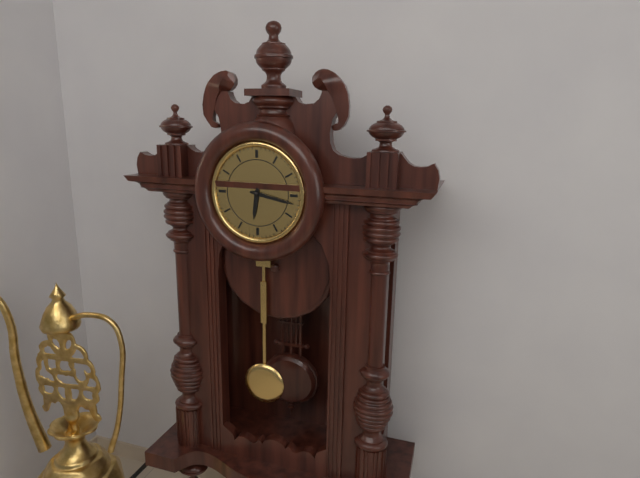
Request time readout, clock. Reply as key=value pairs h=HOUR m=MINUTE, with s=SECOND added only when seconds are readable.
h=6 m=17
